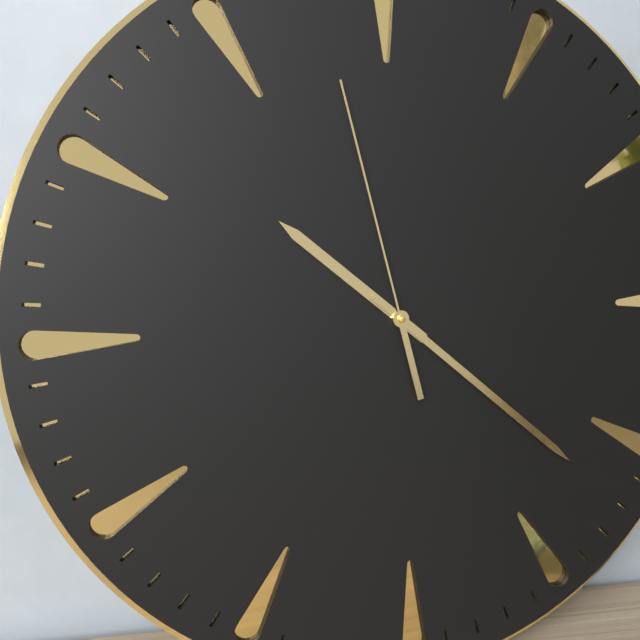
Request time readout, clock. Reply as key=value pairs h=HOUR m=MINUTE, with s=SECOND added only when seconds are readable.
h=10 m=22 s=58
